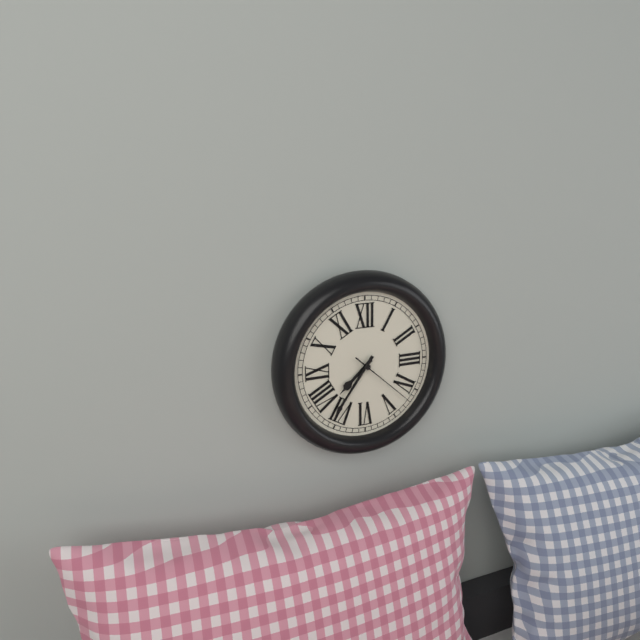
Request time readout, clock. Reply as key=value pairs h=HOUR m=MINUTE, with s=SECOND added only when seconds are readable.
h=7 m=36 s=22
